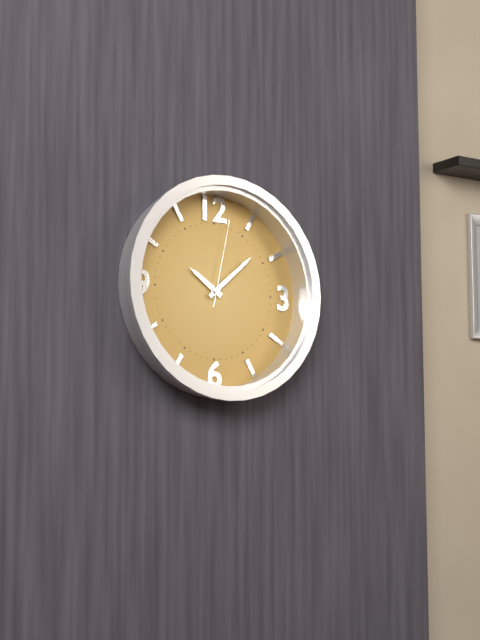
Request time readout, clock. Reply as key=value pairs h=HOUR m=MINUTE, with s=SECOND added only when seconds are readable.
h=10 m=8 s=2
